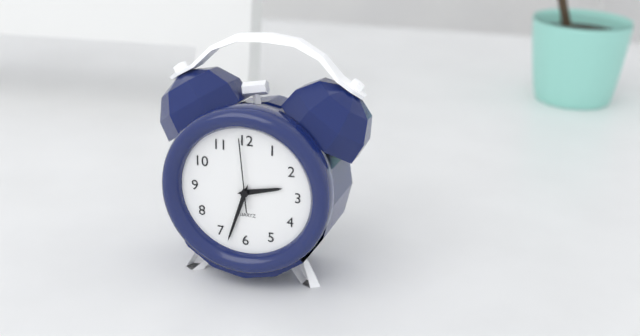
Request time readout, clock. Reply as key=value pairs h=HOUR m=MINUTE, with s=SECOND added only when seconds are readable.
h=2 m=33 s=59
